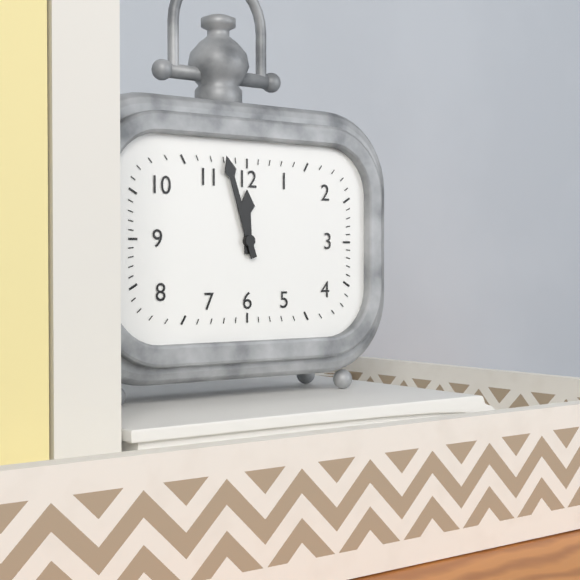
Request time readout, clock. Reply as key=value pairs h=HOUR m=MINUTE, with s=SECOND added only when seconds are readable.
h=11 m=57
